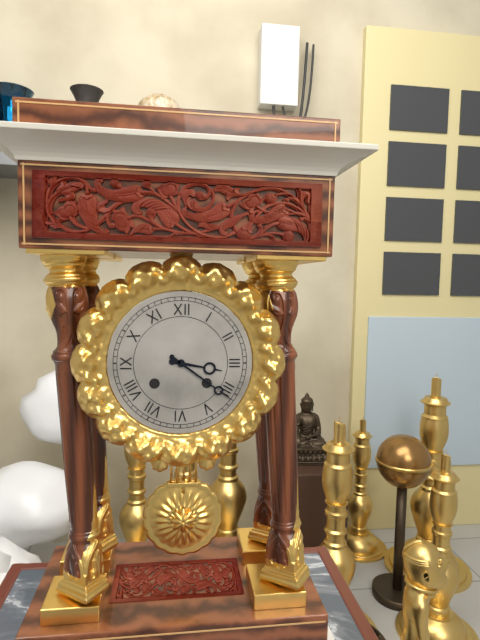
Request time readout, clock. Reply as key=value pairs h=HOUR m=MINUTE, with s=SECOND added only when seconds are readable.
h=3 m=21
